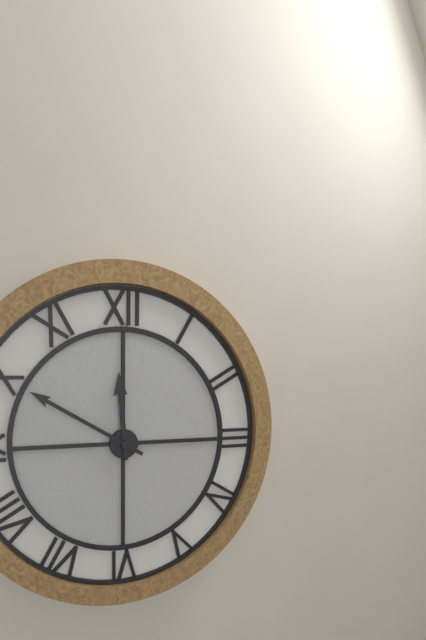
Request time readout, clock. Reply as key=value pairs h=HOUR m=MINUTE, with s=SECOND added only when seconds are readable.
h=11 m=50
